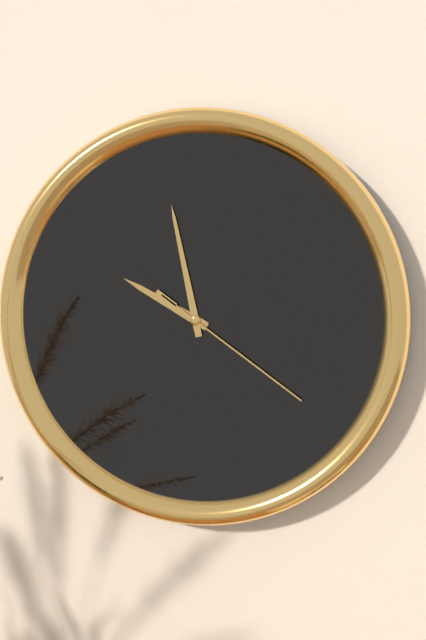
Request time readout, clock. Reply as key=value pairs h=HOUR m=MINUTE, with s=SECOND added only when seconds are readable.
h=9 m=58 s=21
